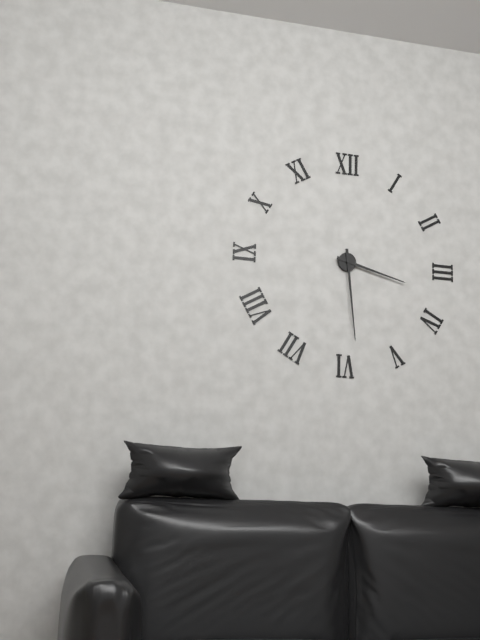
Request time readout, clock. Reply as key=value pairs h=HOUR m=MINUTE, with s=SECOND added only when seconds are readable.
h=3 m=29
